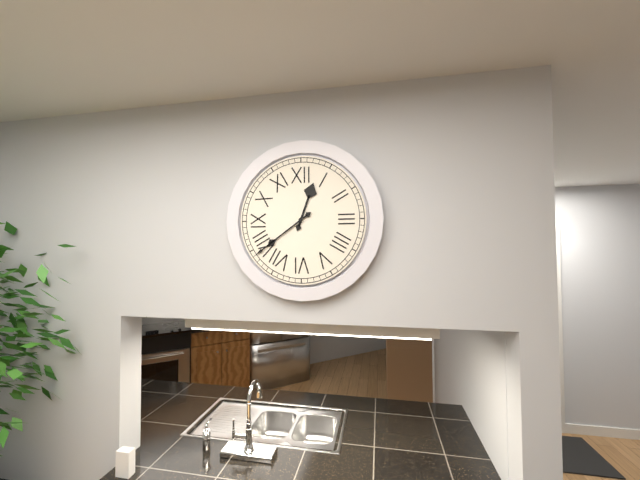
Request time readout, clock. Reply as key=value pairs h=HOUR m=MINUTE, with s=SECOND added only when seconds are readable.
h=12 m=39
